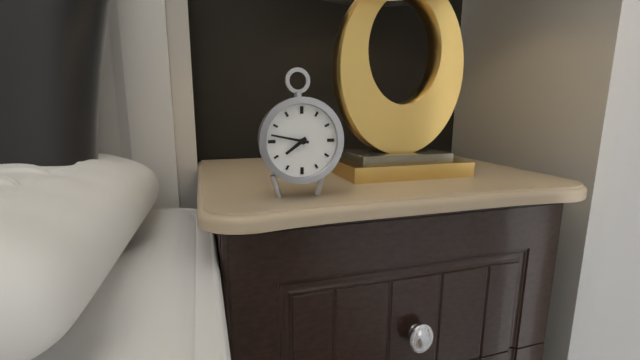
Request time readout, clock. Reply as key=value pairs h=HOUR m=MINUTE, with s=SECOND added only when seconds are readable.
h=7 m=47
